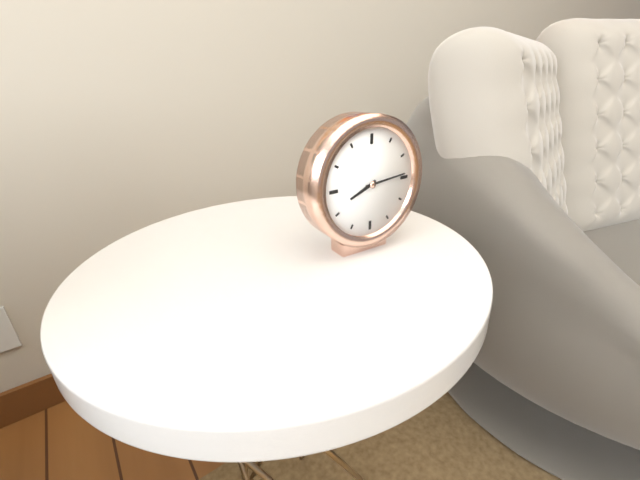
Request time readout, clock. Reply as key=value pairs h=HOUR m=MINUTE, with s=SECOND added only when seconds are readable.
h=8 m=14
